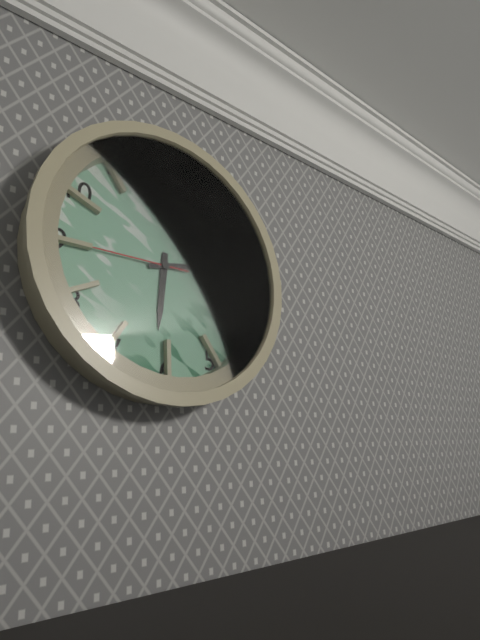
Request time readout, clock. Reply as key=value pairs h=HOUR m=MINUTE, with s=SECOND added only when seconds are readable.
h=6 m=13 s=45
